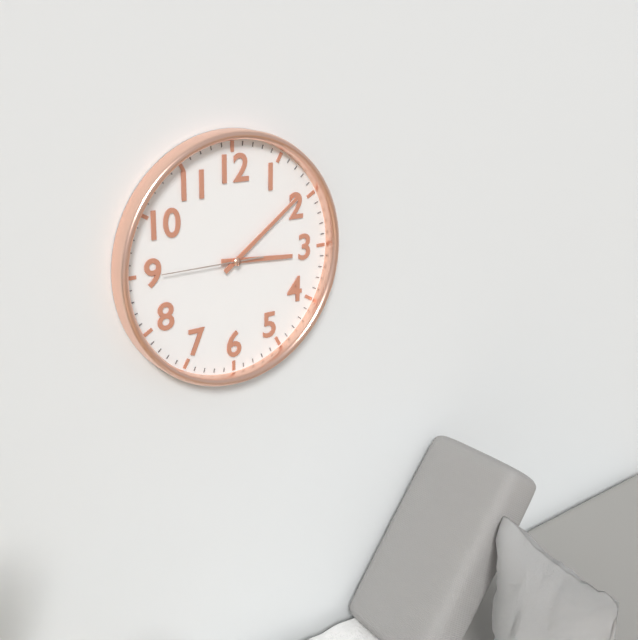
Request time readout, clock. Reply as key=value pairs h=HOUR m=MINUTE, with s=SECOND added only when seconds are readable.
h=3 m=9 s=45
